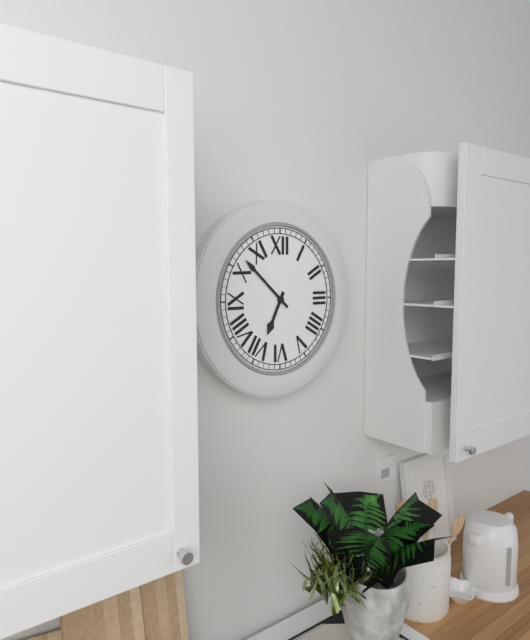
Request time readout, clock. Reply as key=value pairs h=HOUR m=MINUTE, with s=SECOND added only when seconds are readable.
h=6 m=52
